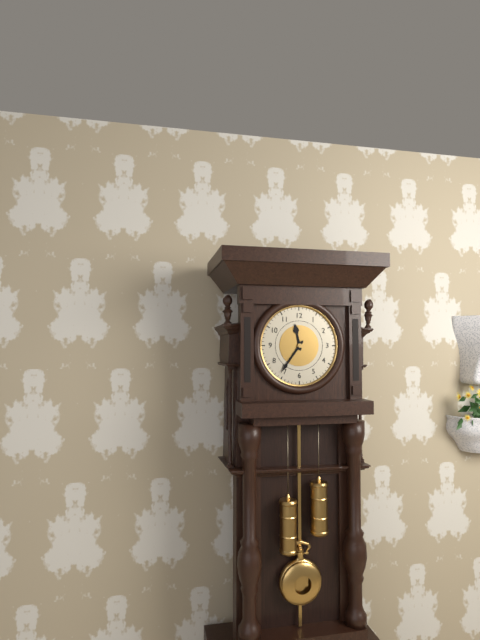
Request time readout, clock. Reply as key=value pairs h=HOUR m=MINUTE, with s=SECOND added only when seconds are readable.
h=11 m=36
